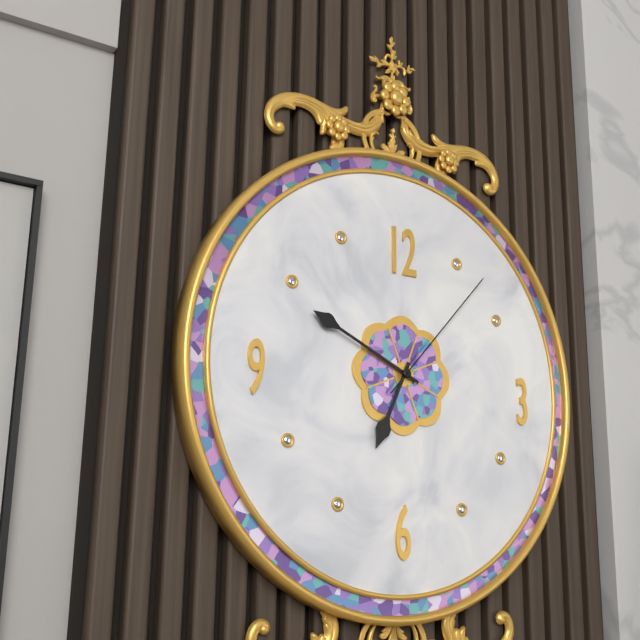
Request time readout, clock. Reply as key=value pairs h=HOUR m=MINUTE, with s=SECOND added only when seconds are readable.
h=6 m=49 s=7
